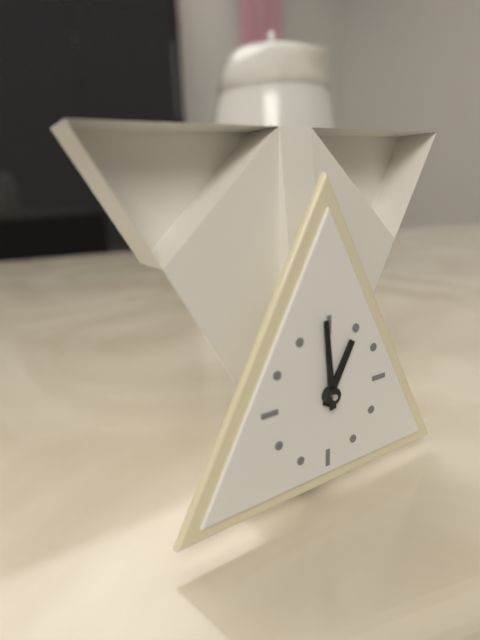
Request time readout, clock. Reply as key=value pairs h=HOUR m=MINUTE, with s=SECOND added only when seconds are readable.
h=12 m=59
